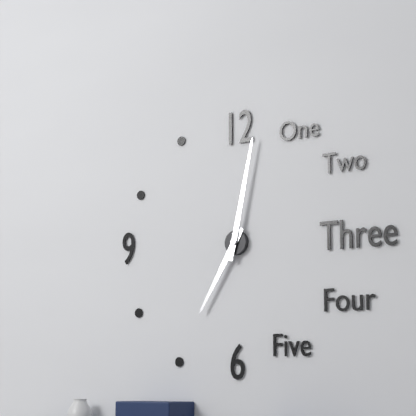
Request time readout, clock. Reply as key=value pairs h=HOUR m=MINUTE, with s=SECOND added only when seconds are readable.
h=7 m=2
